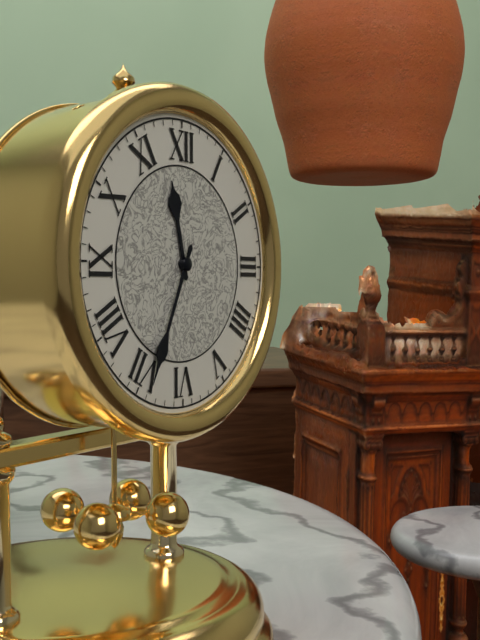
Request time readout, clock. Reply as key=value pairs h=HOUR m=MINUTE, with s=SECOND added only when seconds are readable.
h=11 m=34
